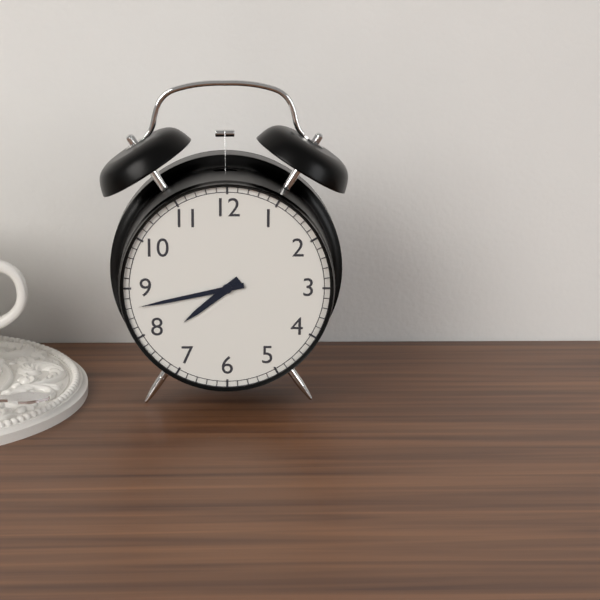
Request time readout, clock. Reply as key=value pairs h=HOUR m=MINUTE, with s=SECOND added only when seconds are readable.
h=7 m=43
